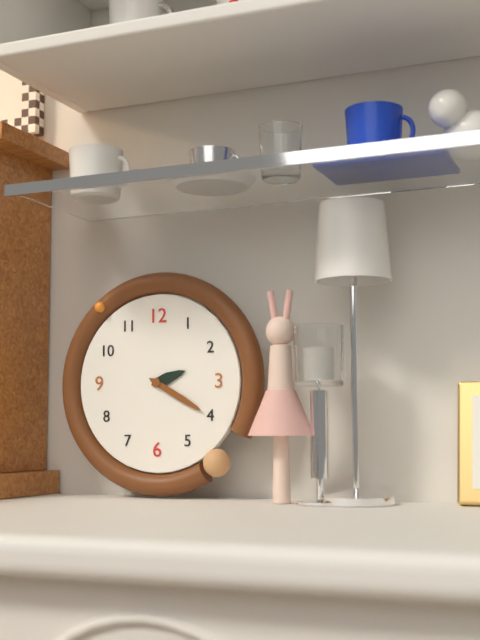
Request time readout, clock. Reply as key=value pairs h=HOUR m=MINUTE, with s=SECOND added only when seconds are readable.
h=2 m=20
